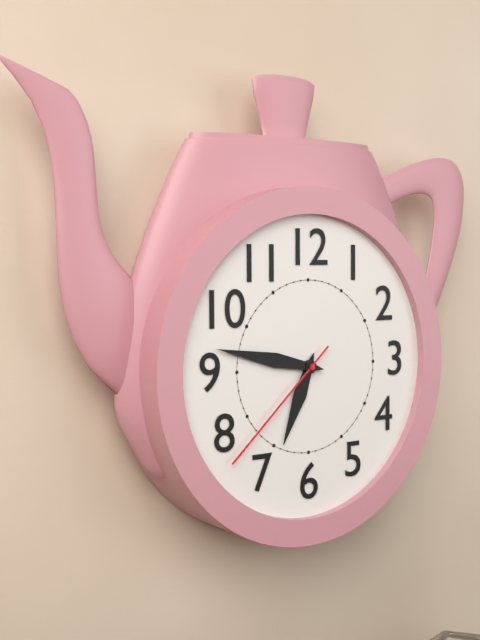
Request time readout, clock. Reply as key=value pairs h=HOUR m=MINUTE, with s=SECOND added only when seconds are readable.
h=6 m=47 s=38
